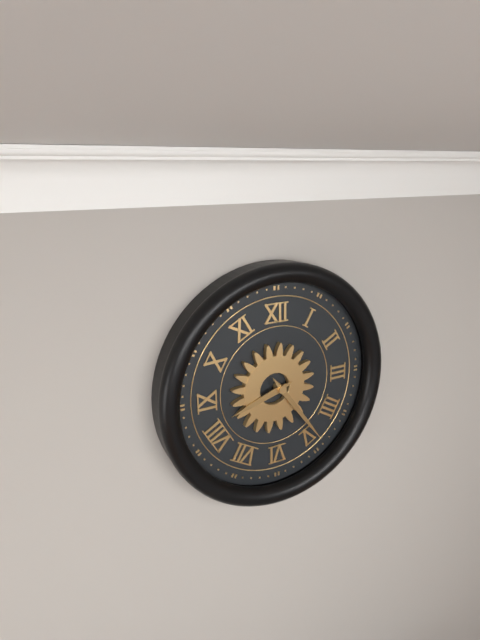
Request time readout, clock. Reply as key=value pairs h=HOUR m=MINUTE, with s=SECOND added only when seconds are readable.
h=8 m=24
